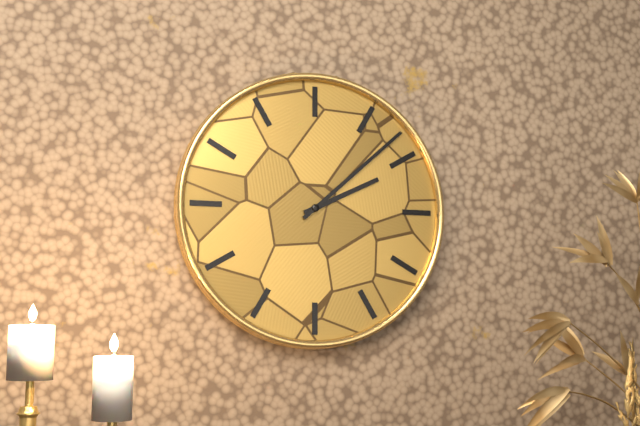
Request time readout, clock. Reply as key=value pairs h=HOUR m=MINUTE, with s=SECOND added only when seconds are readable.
h=2 m=8
